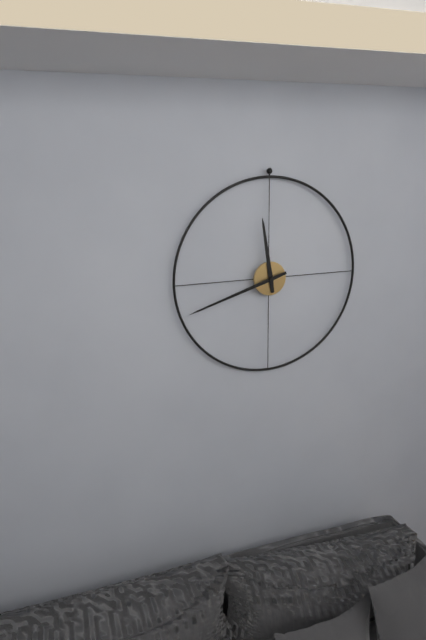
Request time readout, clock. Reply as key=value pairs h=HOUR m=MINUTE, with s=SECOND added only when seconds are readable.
h=11 m=42
